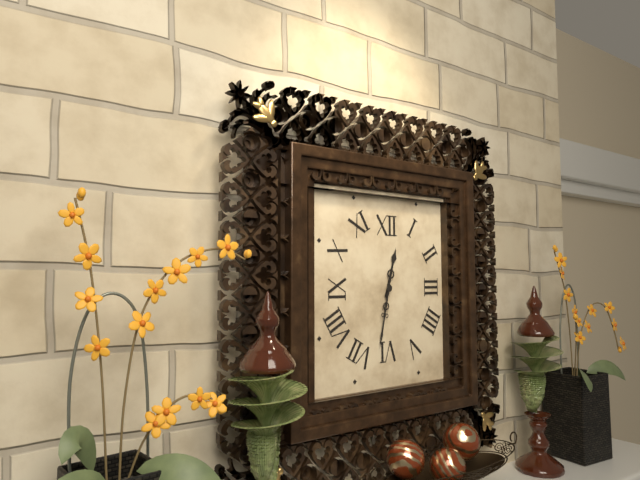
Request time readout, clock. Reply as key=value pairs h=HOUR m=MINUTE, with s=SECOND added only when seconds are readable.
h=12 m=32
